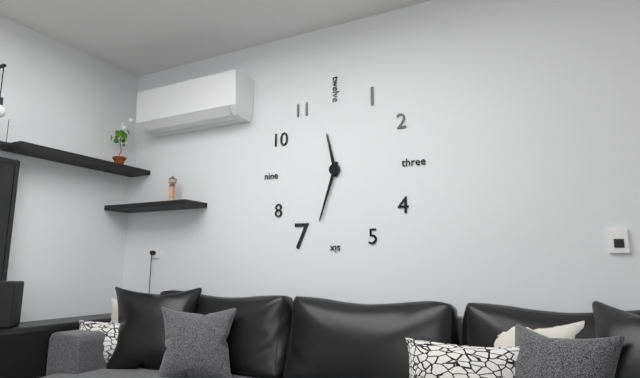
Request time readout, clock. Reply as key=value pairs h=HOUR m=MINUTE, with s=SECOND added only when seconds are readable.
h=11 m=33
